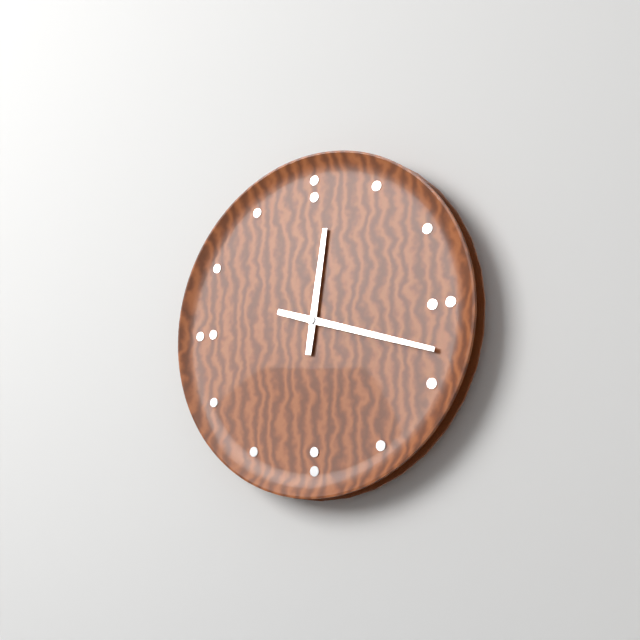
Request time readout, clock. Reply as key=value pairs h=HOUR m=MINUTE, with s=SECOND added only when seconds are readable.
h=12 m=18
